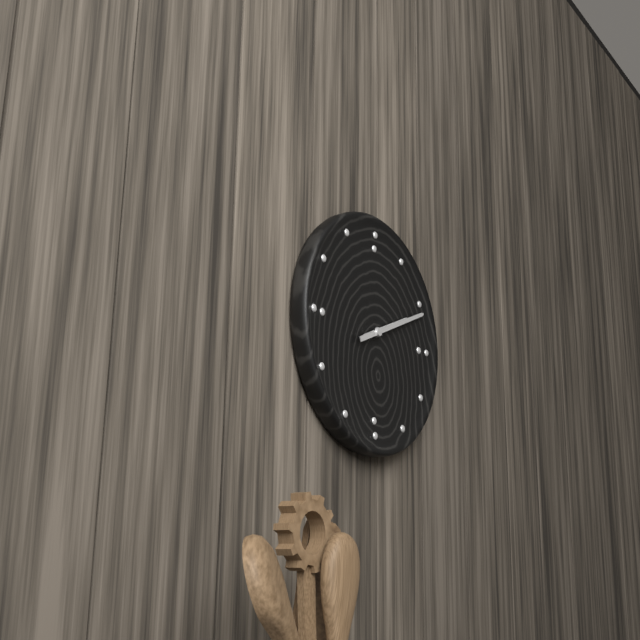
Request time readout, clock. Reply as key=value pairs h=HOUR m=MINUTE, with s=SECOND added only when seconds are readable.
h=2 m=11
